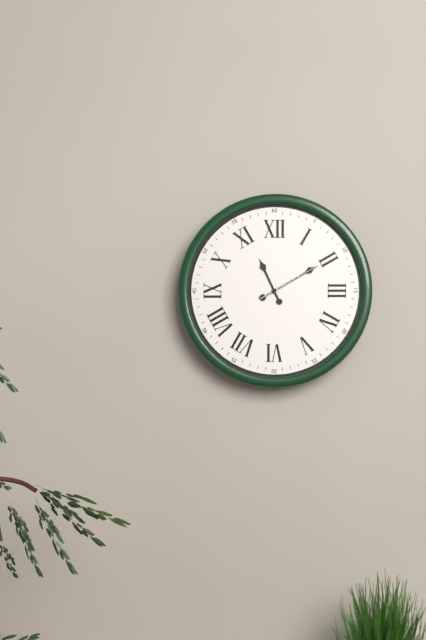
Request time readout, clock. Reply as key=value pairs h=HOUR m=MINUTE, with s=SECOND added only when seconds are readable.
h=11 m=10 s=10
